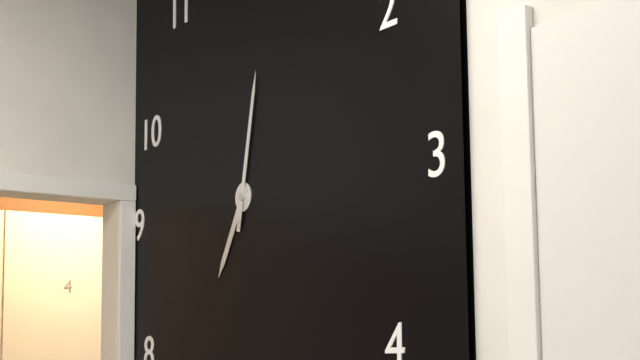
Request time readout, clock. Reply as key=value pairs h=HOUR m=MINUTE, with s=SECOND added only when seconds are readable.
h=7 m=2
